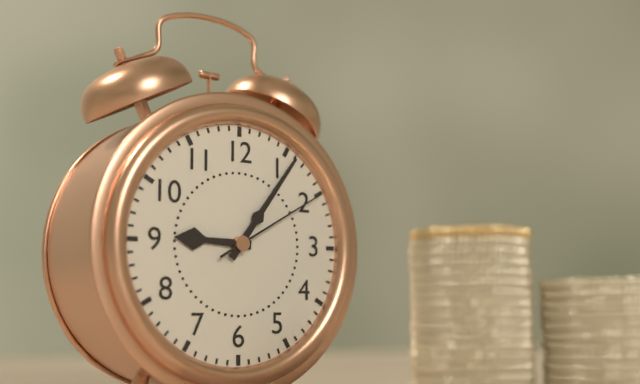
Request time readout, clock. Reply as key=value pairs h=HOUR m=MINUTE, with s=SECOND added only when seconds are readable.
h=9 m=6 s=10
